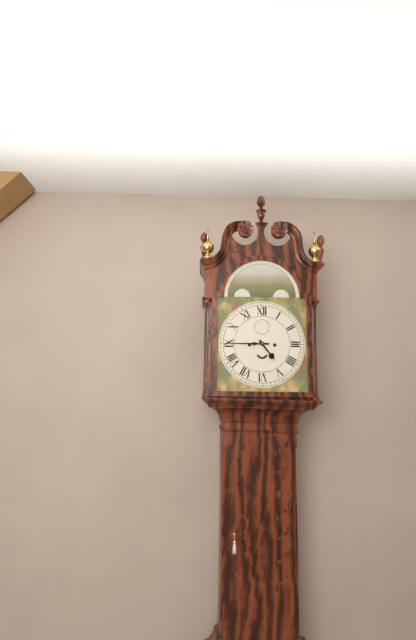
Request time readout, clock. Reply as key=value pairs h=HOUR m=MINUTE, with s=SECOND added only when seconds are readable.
h=4 m=45
